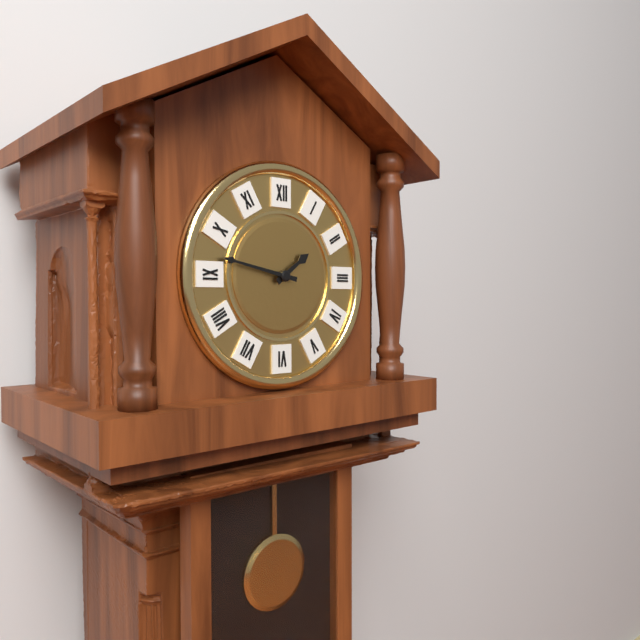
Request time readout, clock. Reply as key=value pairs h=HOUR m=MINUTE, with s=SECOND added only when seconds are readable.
h=1 m=47
